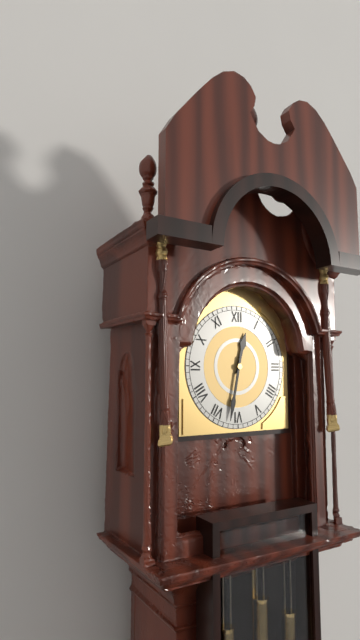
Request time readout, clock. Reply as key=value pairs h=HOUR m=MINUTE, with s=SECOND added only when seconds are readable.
h=12 m=32
